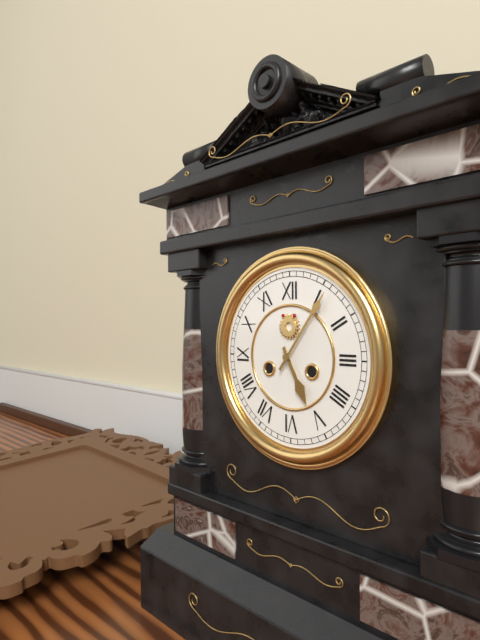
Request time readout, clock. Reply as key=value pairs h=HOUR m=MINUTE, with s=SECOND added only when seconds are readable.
h=5 m=6
